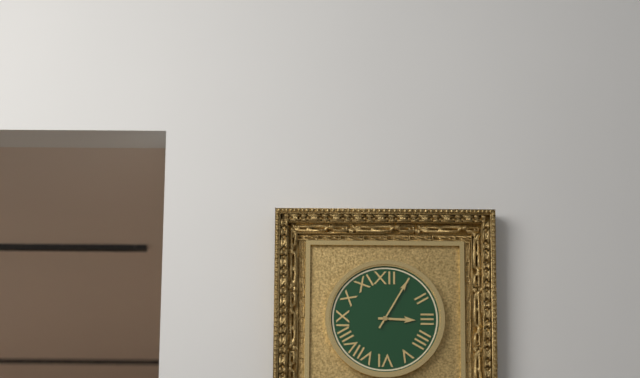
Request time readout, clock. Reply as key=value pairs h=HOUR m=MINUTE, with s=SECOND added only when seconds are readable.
h=3 m=5
